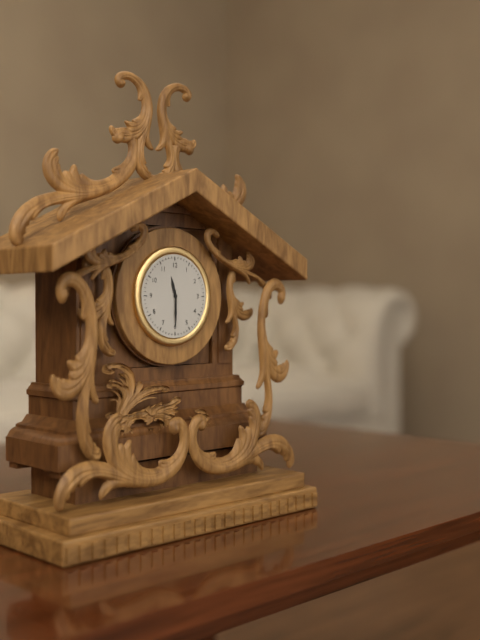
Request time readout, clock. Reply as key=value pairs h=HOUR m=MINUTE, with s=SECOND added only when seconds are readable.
h=11 m=30
